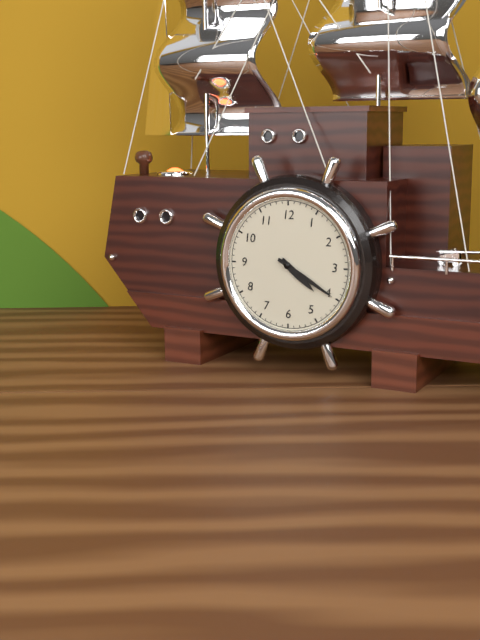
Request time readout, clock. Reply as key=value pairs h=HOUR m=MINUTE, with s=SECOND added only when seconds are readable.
h=4 m=20
